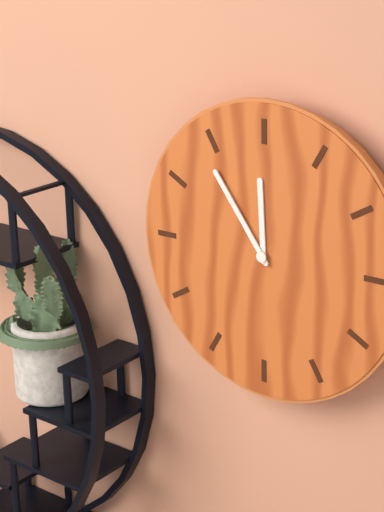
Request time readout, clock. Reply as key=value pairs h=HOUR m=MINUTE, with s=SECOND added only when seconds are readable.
h=11 m=54
